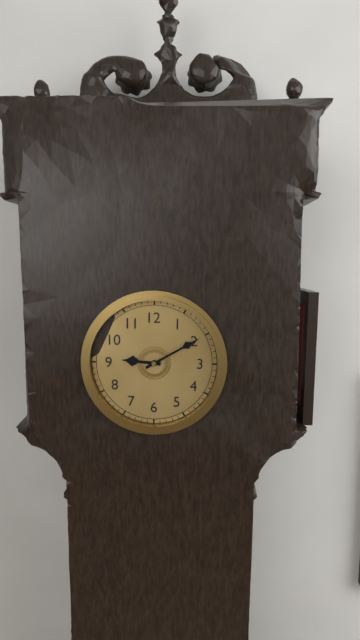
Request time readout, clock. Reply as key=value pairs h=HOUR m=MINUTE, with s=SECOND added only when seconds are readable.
h=9 m=10
